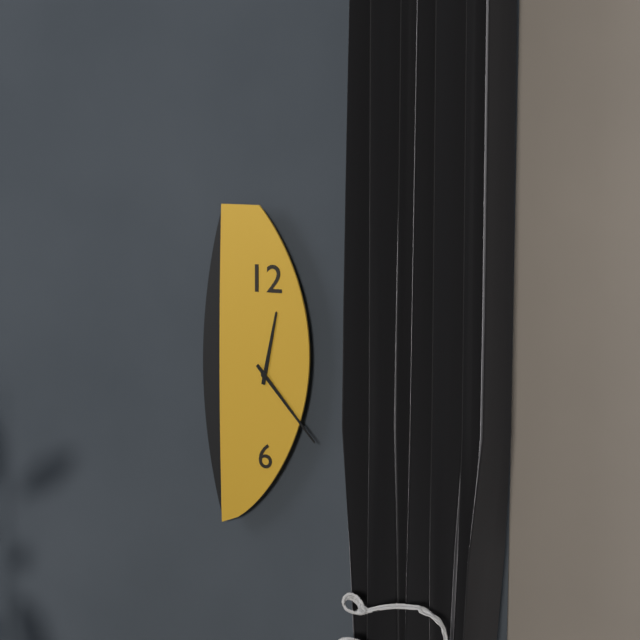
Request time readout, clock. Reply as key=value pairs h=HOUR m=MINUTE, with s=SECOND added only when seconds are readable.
h=12 m=23
